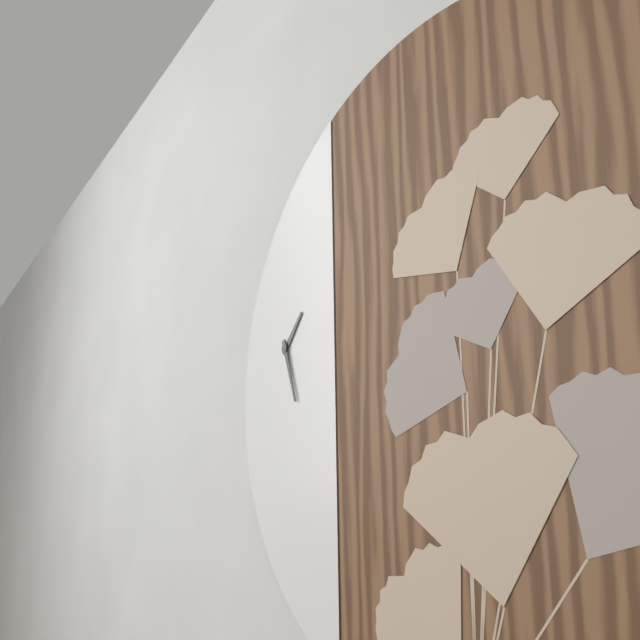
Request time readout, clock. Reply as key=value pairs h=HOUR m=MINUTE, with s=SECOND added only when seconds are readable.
h=1 m=27
